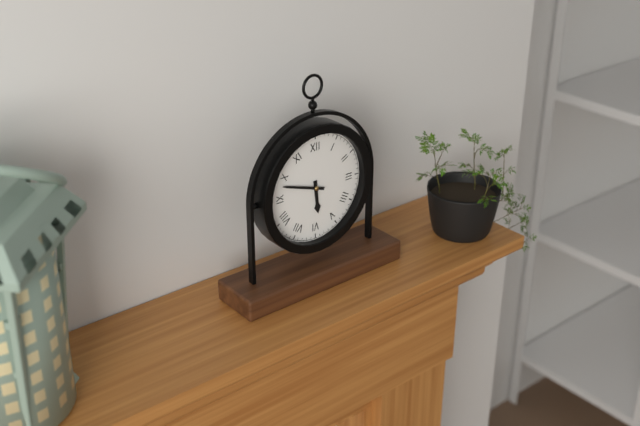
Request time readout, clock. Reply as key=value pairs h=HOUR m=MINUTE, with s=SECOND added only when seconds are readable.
h=5 m=48
